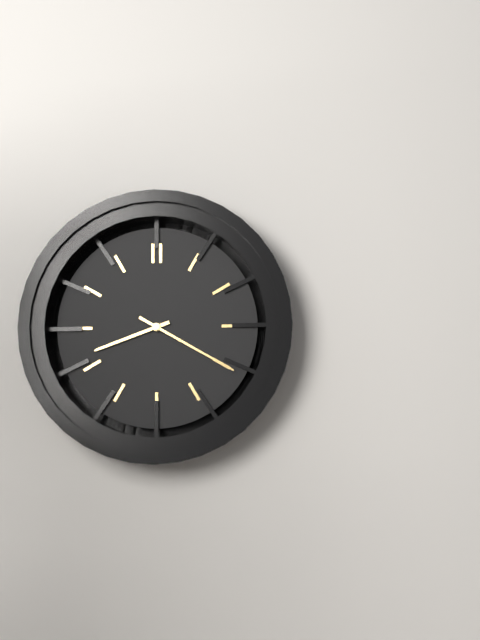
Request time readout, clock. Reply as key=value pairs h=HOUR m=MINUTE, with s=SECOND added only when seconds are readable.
h=8 m=20
